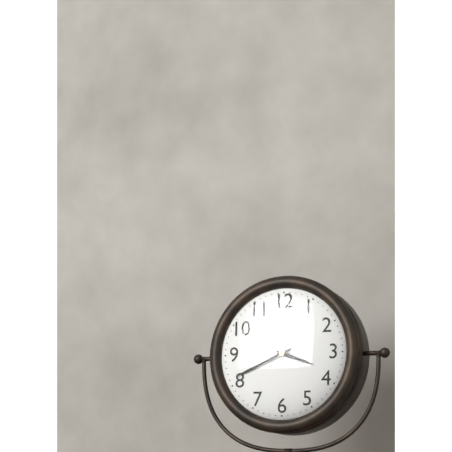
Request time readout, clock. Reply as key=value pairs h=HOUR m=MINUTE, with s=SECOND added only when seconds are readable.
h=3 m=41
